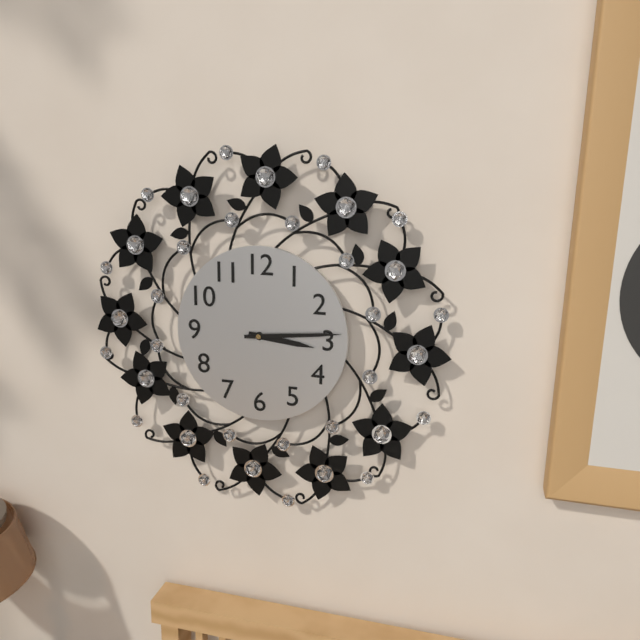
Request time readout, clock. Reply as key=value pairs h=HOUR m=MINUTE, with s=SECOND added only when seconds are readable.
h=3 m=14
